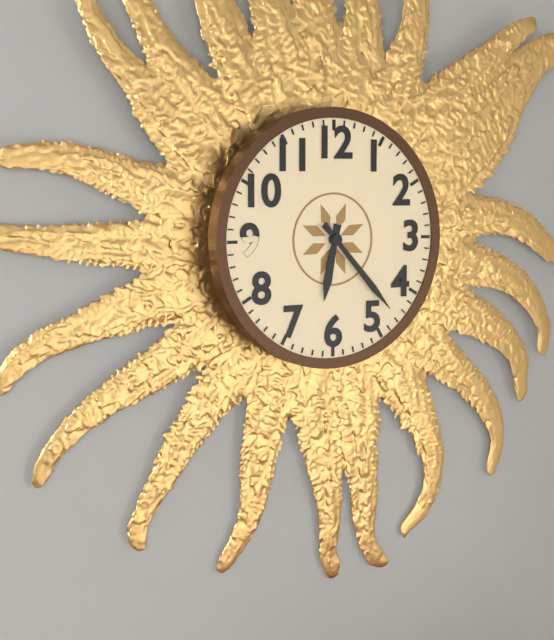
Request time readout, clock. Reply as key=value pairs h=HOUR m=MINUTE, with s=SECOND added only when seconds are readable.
h=6 m=23
